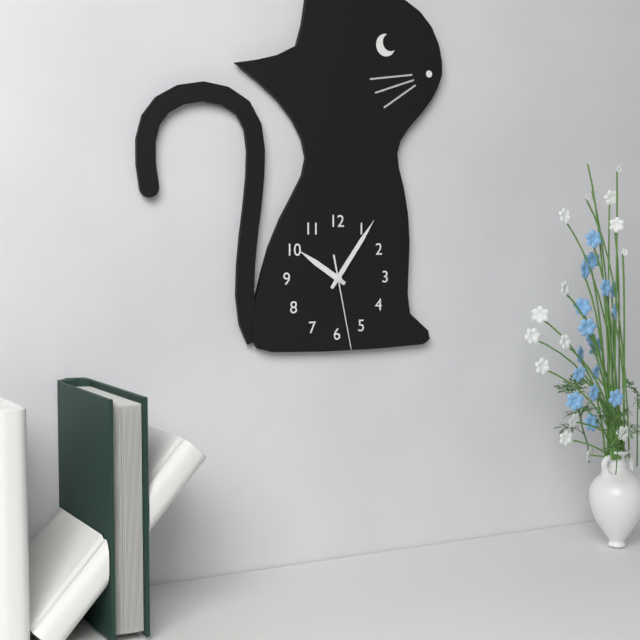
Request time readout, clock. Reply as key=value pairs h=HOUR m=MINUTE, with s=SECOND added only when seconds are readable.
h=10 m=6 s=28
